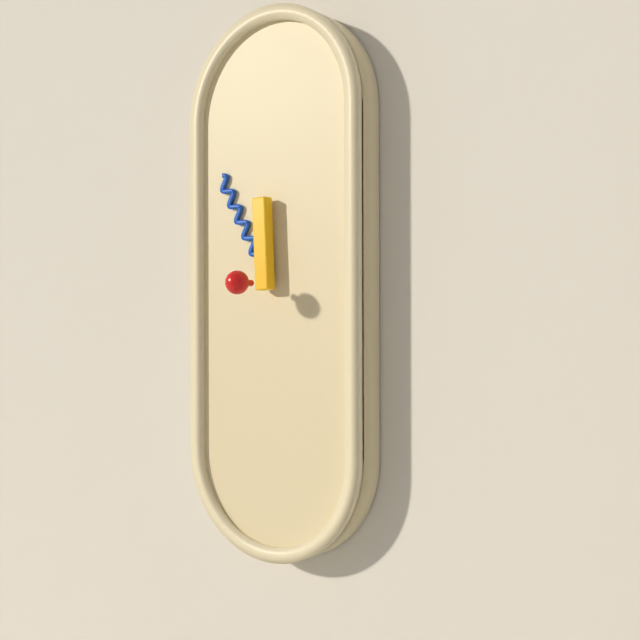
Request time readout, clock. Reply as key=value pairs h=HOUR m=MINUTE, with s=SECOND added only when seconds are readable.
h=11 m=55
